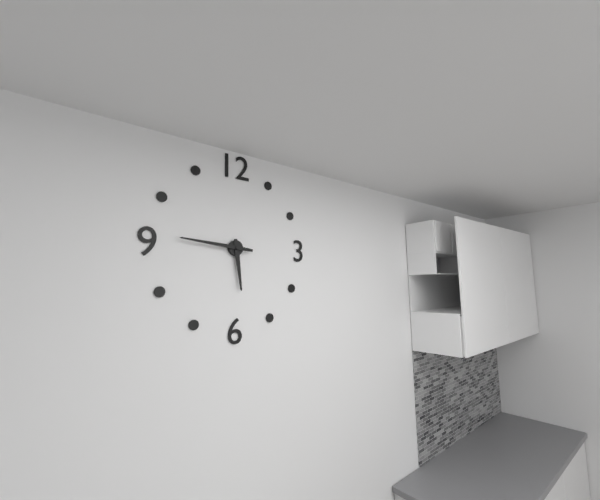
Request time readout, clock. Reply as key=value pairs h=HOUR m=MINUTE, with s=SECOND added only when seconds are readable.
h=5 m=46
